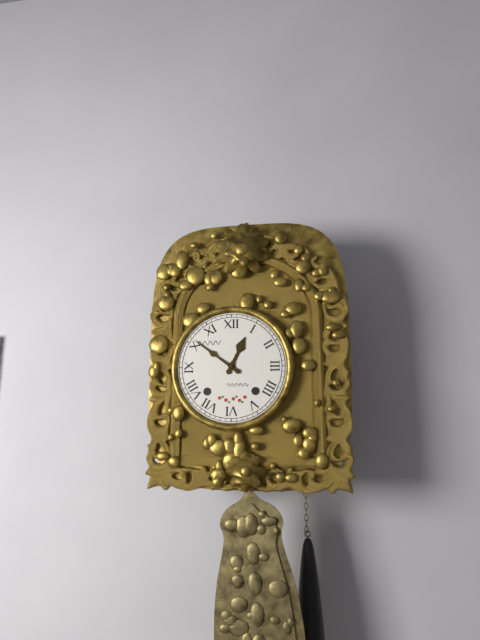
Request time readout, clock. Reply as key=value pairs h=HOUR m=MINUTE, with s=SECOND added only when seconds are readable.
h=12 m=51
